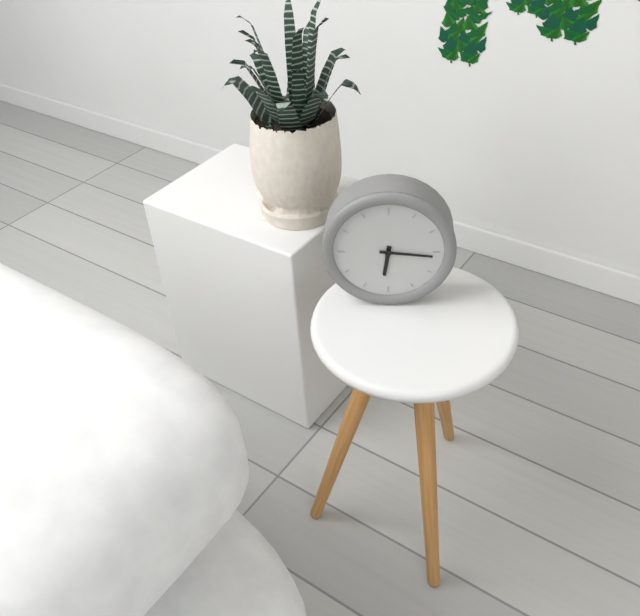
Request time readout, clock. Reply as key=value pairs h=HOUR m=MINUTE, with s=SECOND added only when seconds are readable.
h=6 m=16
